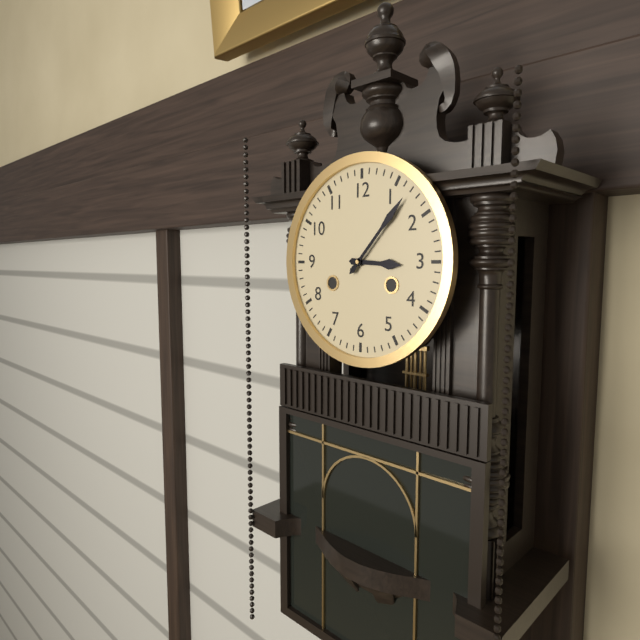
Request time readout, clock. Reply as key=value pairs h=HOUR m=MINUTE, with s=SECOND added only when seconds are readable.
h=3 m=7
